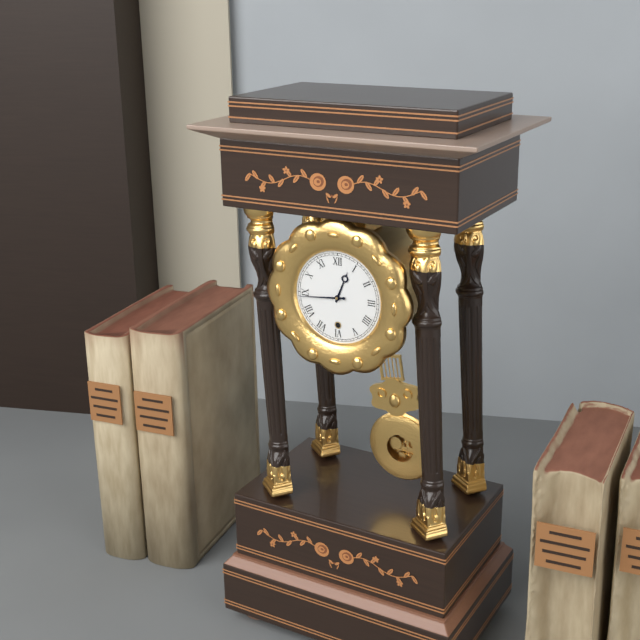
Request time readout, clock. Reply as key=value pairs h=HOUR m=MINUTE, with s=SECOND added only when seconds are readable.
h=12 m=44
